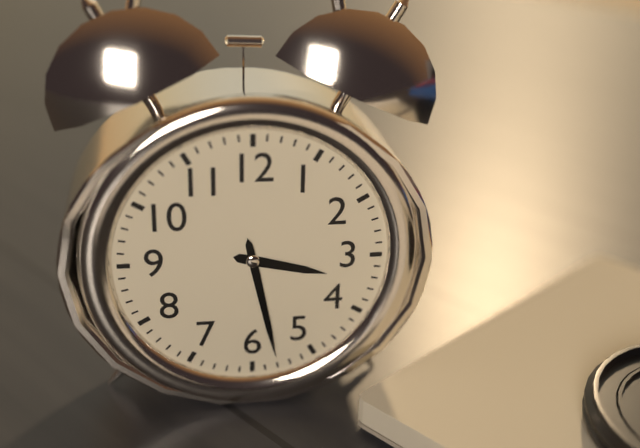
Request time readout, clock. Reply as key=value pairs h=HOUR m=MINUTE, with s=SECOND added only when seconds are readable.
h=3 m=28
